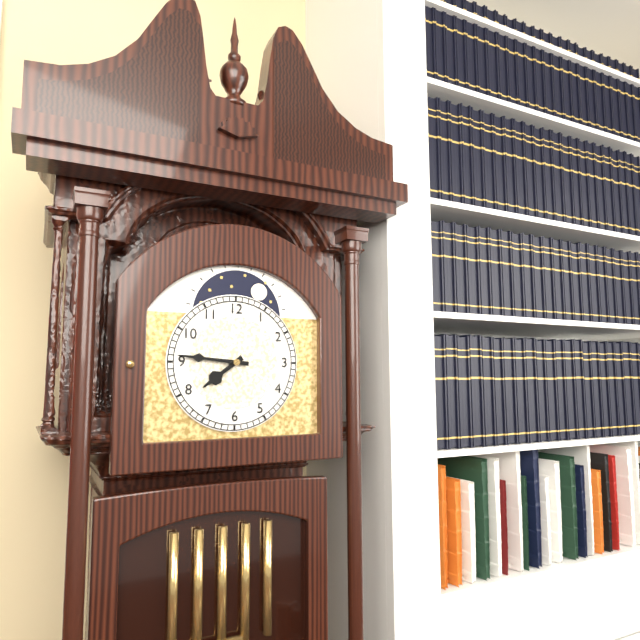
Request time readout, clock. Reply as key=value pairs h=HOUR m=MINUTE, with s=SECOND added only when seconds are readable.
h=7 m=46
